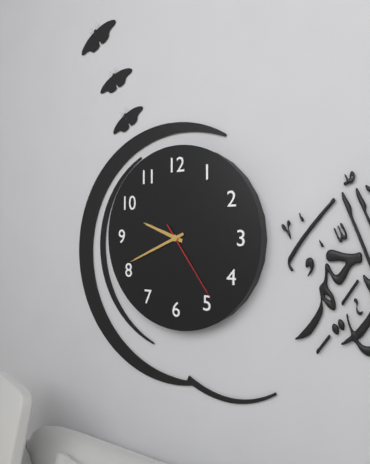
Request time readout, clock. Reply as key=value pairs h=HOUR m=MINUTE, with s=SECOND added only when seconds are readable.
h=9 m=41 s=24
